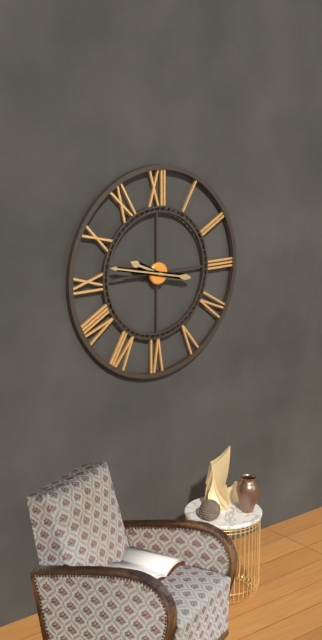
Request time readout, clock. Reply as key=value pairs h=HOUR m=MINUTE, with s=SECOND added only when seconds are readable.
h=9 m=47
